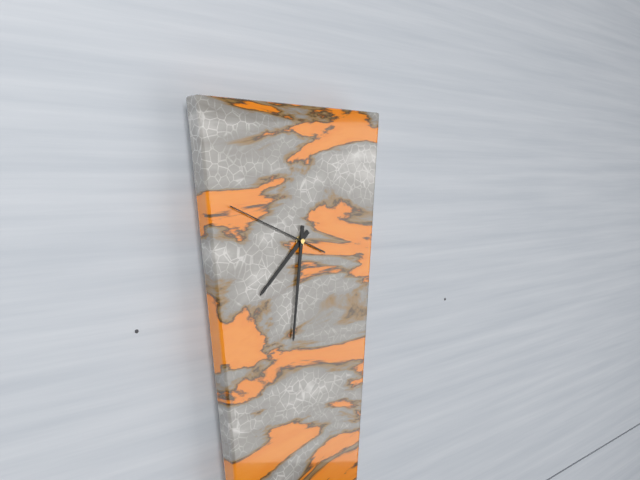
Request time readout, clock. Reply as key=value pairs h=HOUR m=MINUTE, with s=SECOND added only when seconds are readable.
h=7 m=31 s=49
